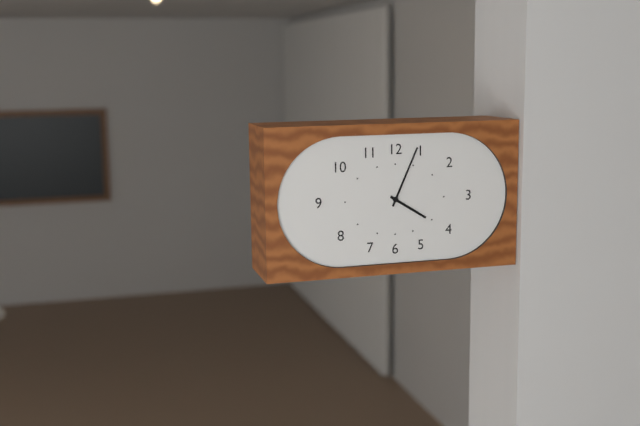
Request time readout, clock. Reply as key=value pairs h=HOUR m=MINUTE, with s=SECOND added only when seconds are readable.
h=4 m=4
